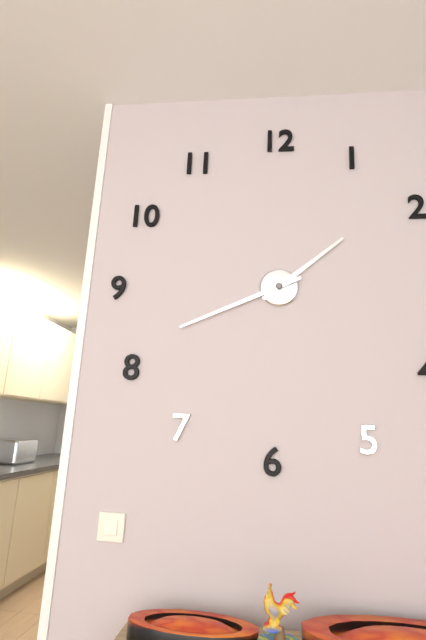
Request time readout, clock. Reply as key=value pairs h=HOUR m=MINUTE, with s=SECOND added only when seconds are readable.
h=1 m=41
